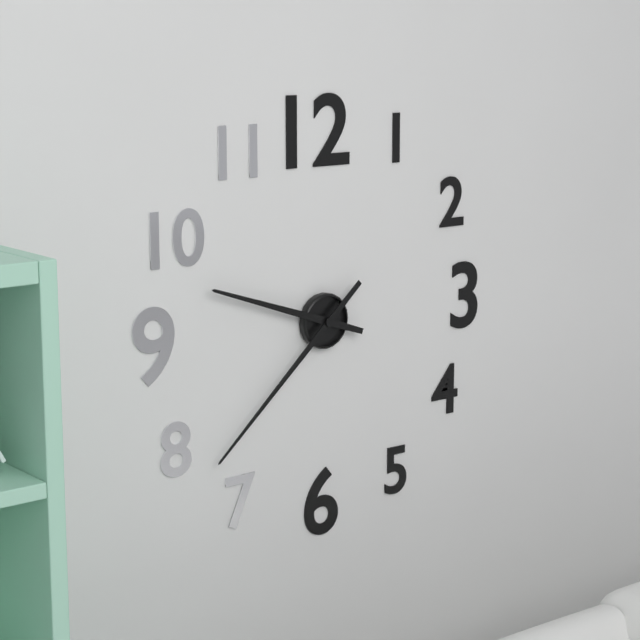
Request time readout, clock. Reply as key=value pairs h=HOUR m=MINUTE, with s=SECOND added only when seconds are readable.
h=9 m=38
